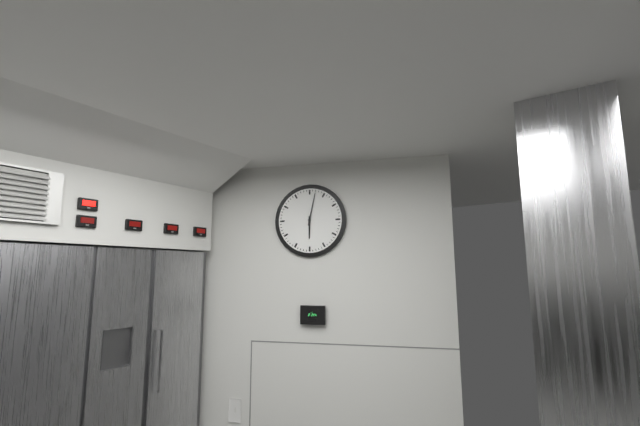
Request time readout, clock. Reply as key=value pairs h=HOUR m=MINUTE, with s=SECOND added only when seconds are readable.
h=6 m=2
